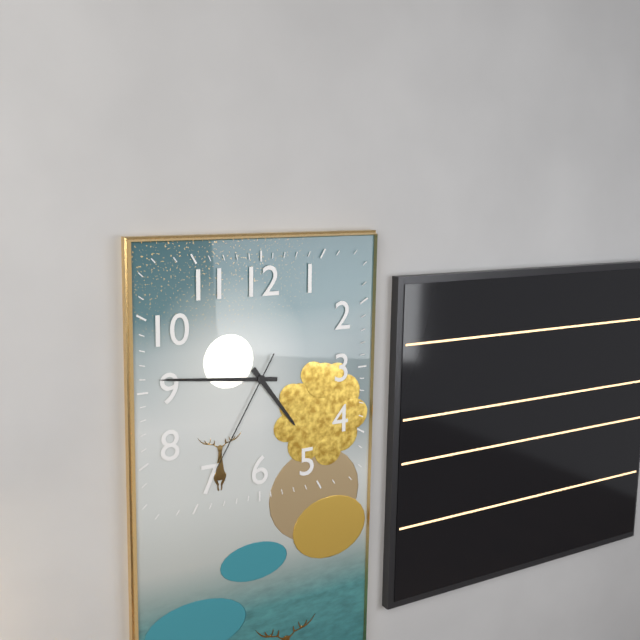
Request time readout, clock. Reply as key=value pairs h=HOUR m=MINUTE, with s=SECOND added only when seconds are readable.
h=4 m=46 s=35
